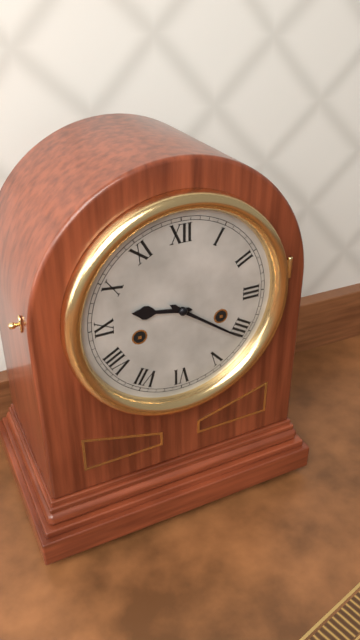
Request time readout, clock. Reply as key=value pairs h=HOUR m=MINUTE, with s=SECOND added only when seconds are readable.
h=9 m=21
